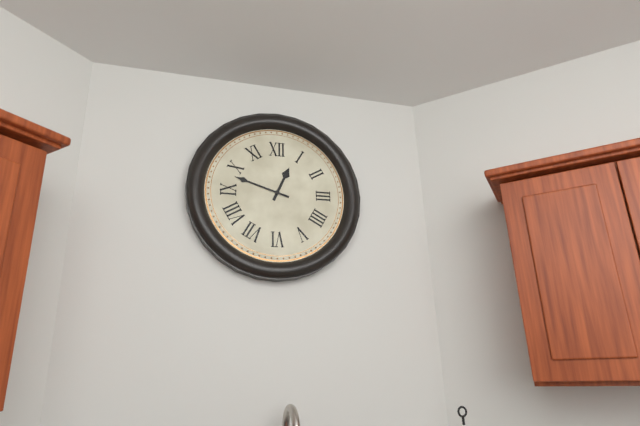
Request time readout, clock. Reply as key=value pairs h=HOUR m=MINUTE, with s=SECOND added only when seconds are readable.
h=12 m=48
